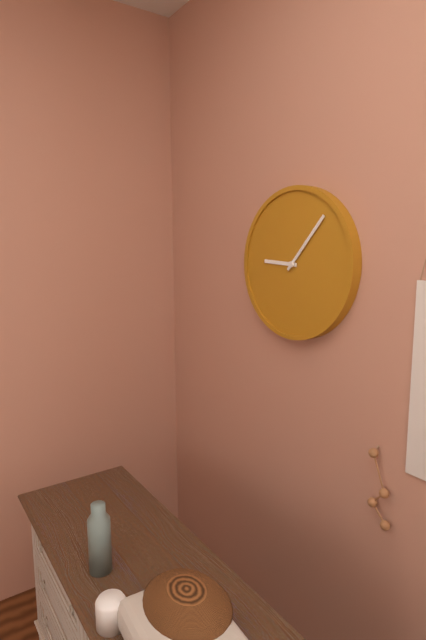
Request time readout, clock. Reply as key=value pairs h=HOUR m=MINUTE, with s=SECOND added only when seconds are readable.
h=9 m=7
